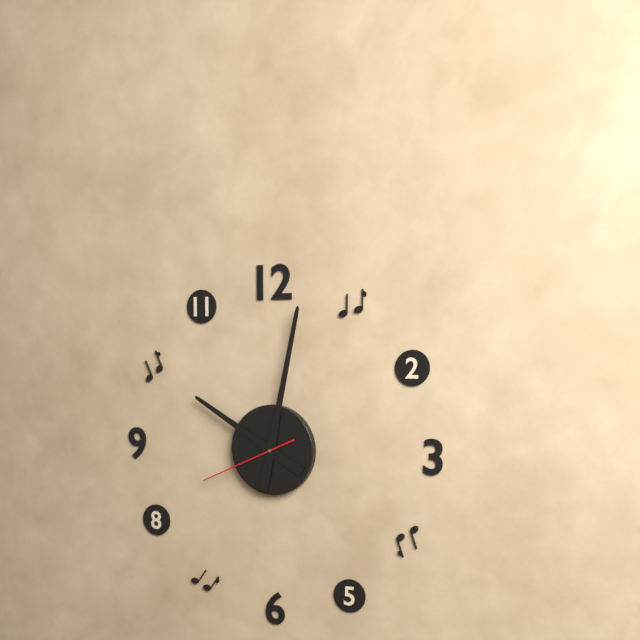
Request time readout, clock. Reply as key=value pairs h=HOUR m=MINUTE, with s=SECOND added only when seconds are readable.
h=10 m=2 s=41
